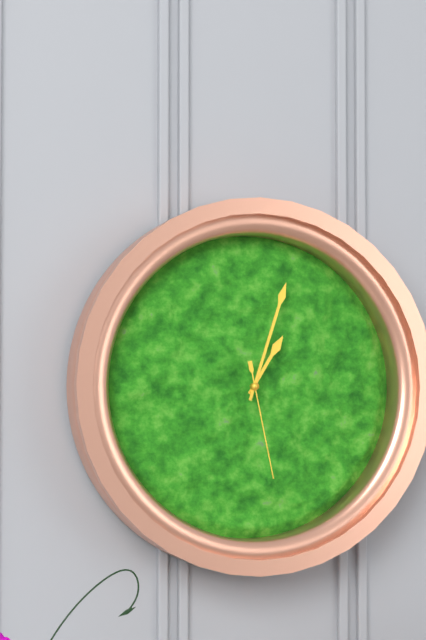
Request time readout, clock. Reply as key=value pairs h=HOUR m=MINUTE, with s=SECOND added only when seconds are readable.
h=1 m=3 s=28
